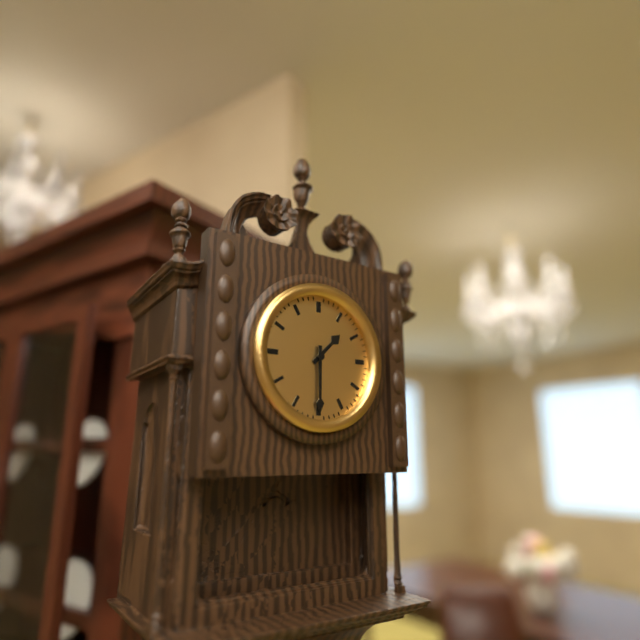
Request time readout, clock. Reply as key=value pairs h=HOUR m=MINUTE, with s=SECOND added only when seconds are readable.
h=1 m=30
